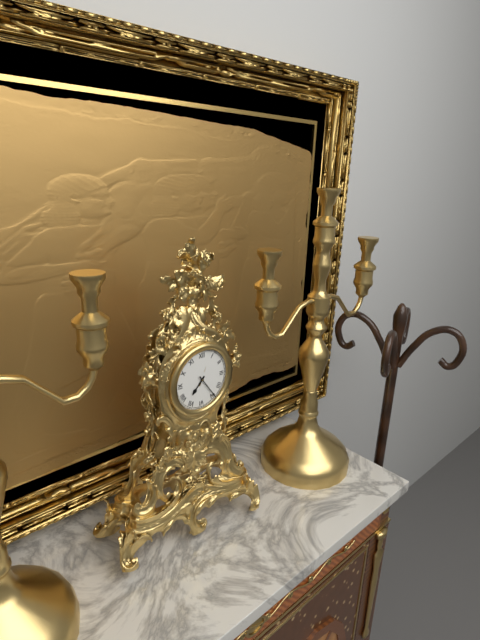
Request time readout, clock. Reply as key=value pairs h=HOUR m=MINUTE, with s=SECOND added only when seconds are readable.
h=7 m=24
